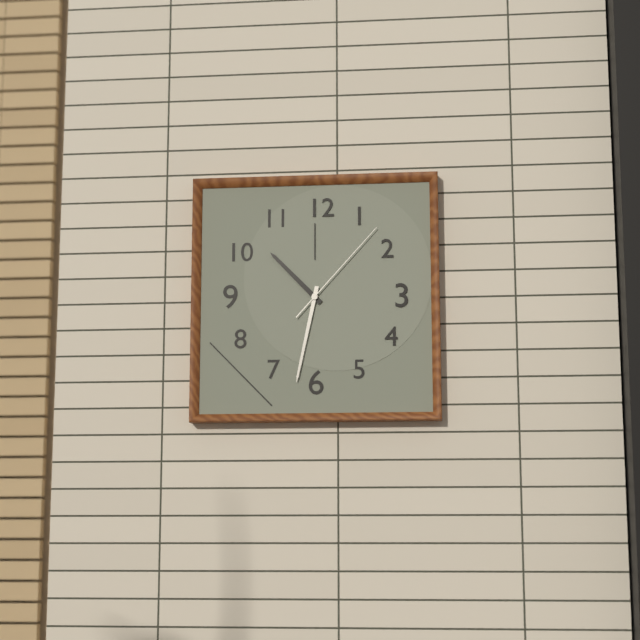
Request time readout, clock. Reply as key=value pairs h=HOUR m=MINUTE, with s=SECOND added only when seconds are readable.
h=10 m=32 s=7
